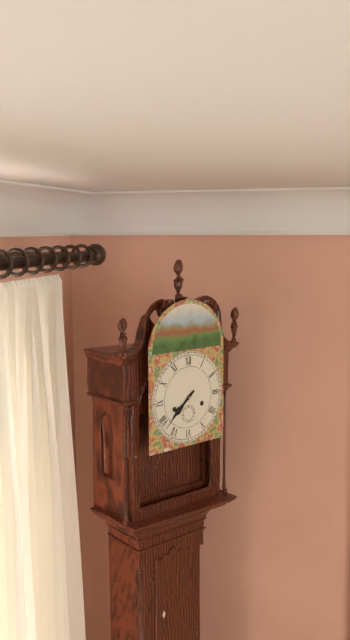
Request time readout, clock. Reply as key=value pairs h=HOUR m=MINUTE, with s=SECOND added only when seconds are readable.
h=7 m=38
